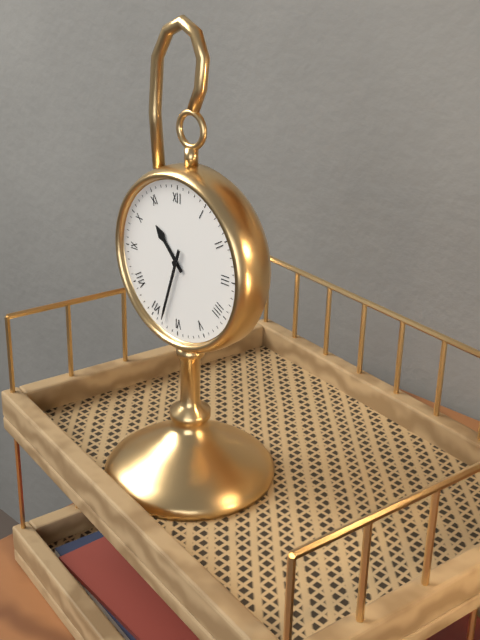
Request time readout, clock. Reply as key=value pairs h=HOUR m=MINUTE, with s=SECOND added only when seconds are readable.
h=10 m=33
